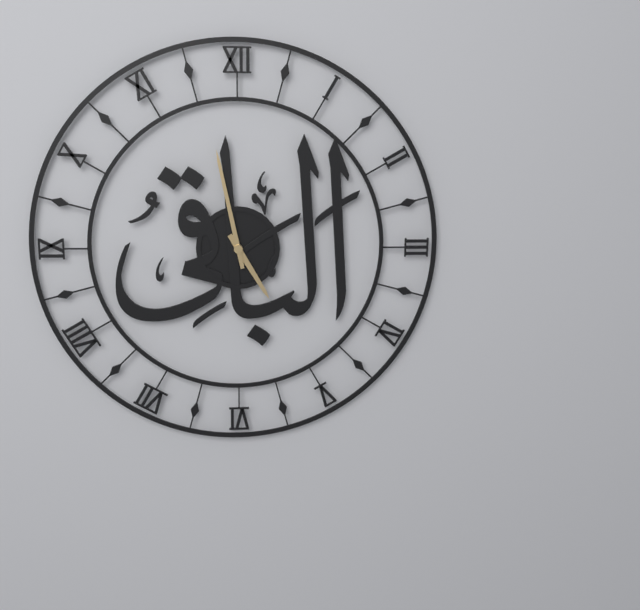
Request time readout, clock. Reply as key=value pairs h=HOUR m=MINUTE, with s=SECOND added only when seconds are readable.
h=4 m=58
